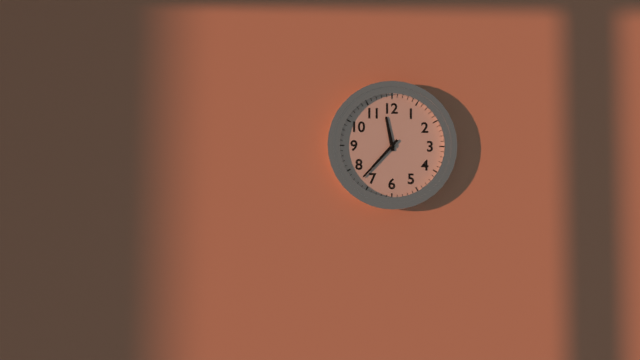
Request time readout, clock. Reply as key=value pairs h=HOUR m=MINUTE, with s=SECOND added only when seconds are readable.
h=11 m=37
